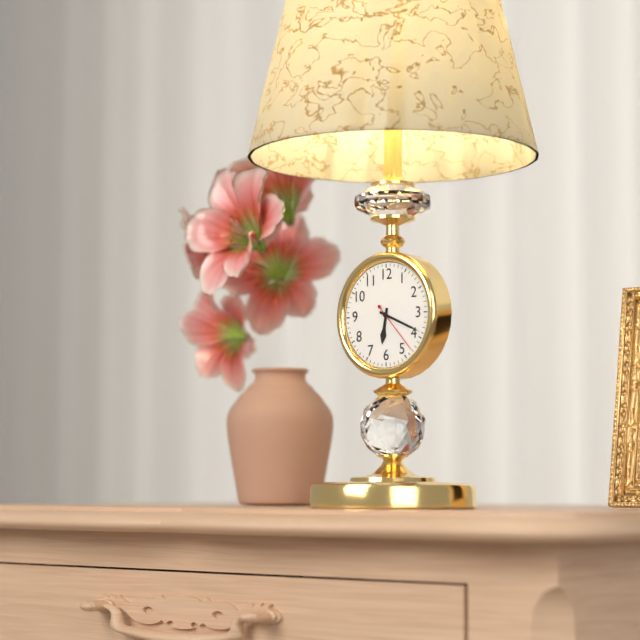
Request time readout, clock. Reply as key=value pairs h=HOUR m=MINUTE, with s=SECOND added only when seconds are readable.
h=6 m=19 s=23
